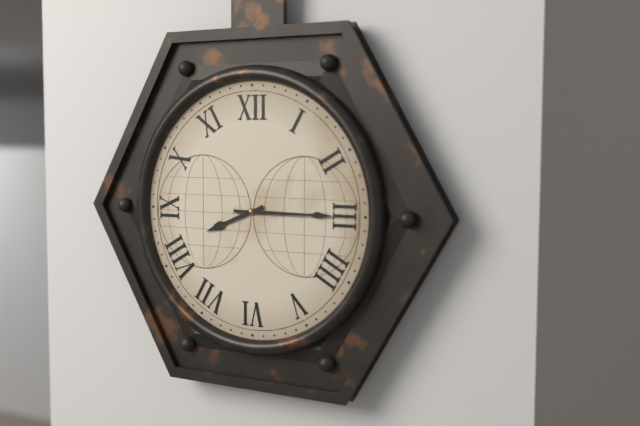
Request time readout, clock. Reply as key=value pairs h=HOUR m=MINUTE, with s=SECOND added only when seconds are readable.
h=8 m=15
